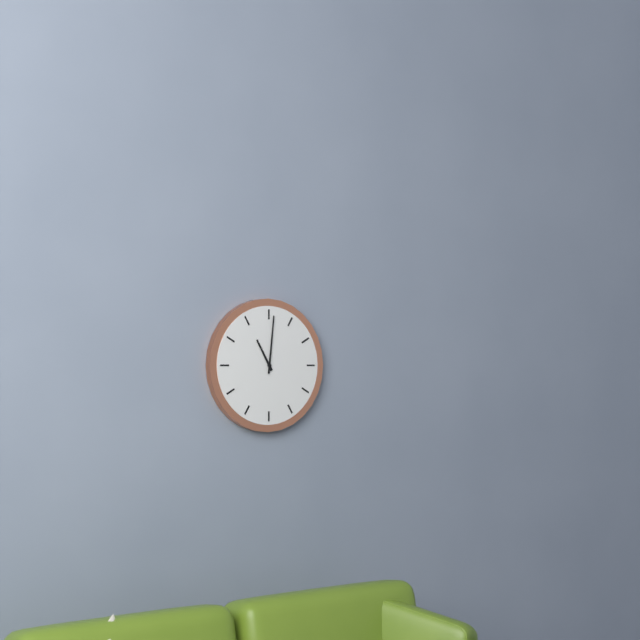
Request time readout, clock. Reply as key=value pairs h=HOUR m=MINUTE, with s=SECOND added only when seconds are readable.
h=11 m=1
